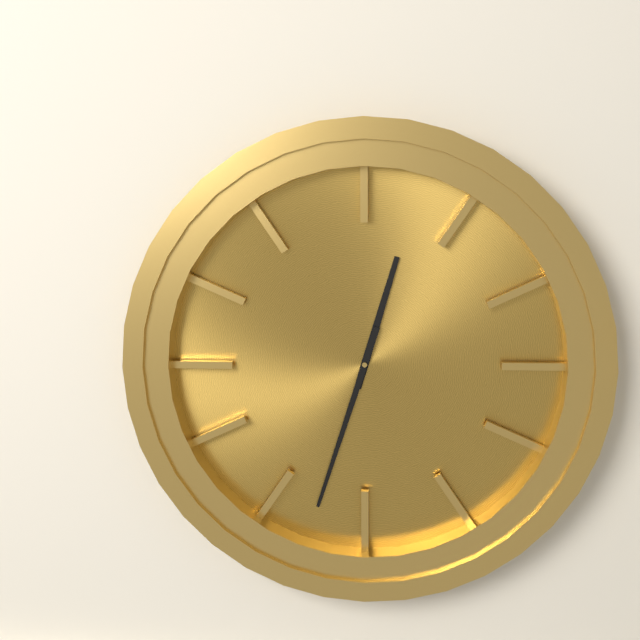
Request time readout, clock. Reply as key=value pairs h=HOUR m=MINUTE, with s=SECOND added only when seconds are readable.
h=12 m=33
